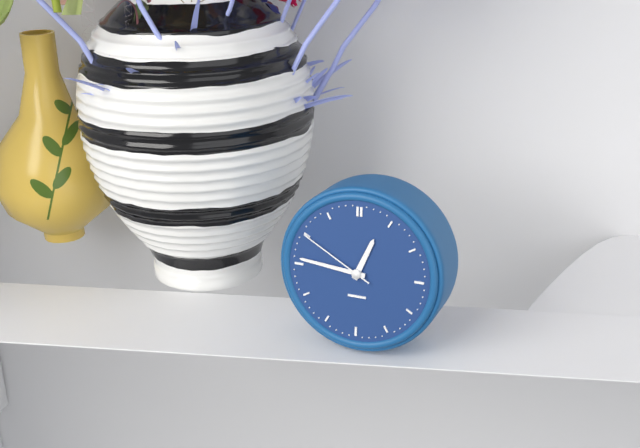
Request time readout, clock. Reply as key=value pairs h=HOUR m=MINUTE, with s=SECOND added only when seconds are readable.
h=12 m=46 s=50
